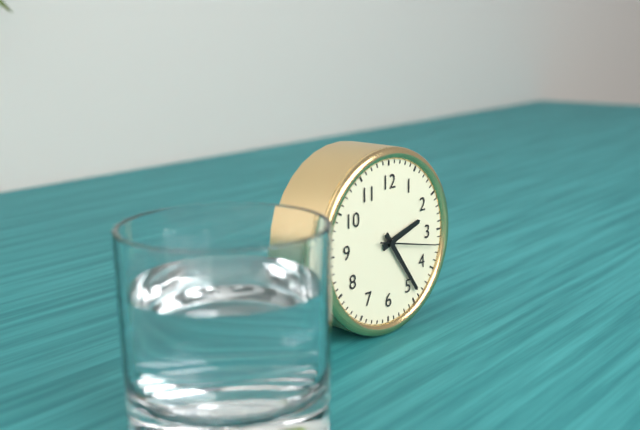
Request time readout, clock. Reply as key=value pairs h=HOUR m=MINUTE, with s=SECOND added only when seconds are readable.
h=2 m=24 s=17
